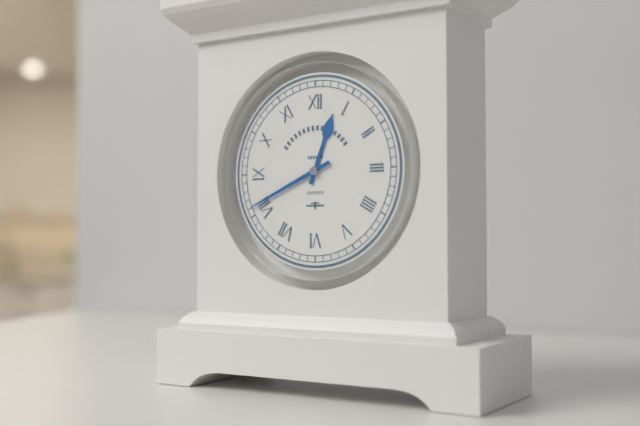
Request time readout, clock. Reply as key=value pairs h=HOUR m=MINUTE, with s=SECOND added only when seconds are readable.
h=12 m=41
